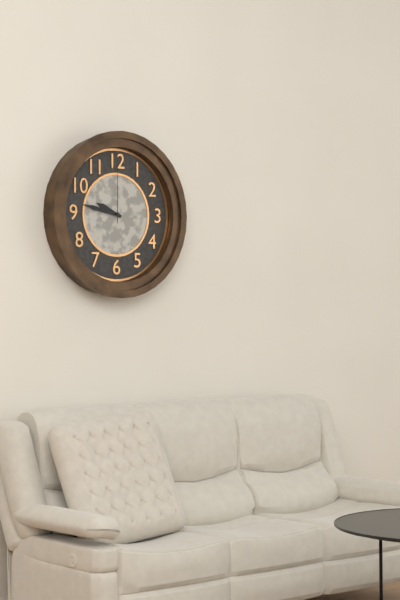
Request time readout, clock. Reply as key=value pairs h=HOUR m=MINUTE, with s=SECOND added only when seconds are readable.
h=9 m=47 s=0
